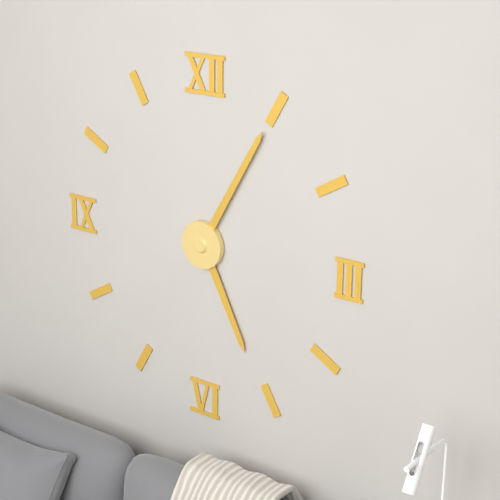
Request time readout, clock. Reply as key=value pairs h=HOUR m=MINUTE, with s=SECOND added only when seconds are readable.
h=5 m=5
